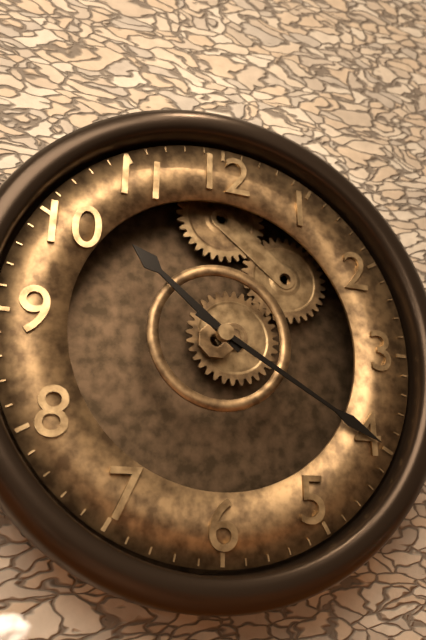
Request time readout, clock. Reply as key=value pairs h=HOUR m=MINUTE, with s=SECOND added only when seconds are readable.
h=10 m=20
